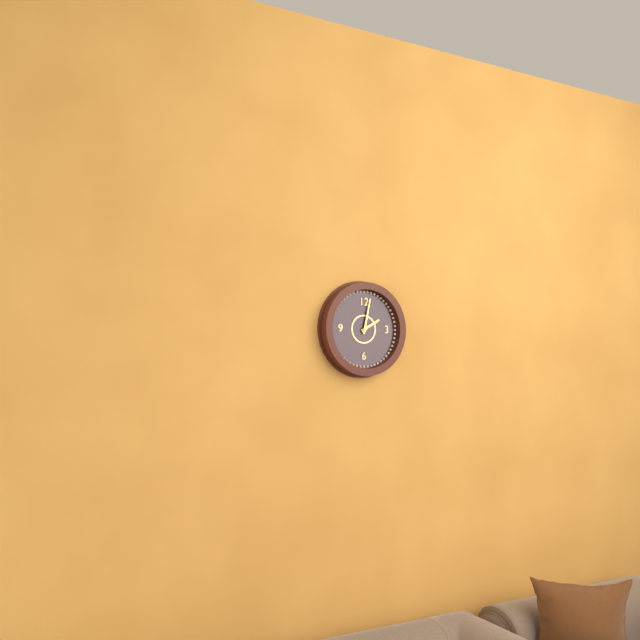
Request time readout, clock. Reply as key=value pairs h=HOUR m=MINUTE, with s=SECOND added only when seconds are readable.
h=2 m=2
